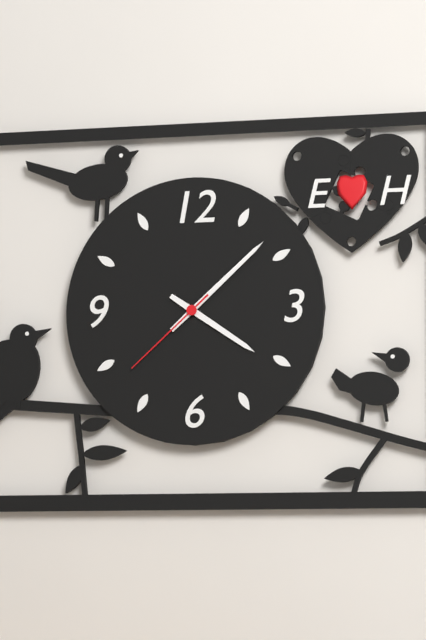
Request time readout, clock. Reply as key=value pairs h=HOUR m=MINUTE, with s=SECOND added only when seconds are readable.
h=4 m=8 s=38
